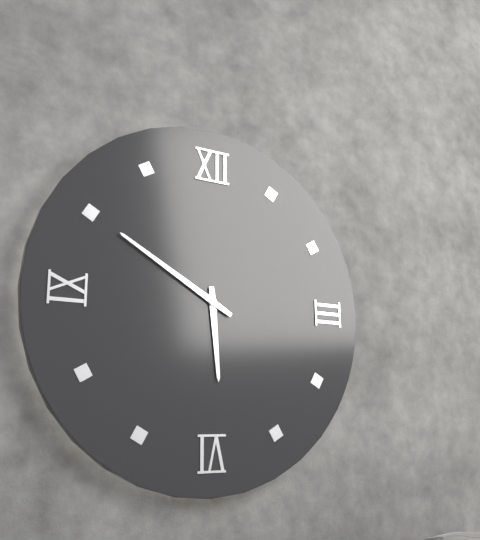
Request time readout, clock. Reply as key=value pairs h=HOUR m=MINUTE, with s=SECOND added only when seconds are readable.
h=5 m=50
